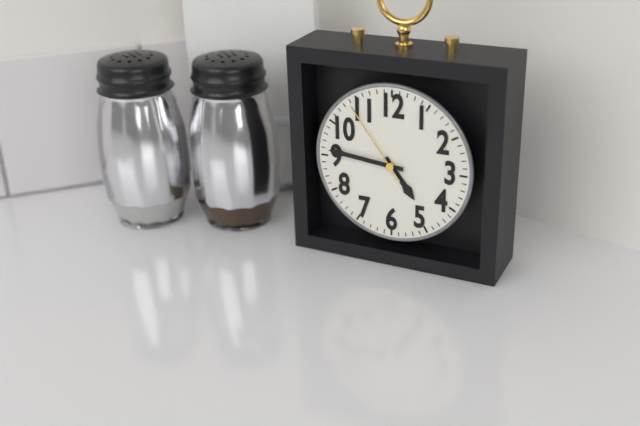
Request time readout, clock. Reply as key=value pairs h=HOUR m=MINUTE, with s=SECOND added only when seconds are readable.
h=4 m=46 s=54
